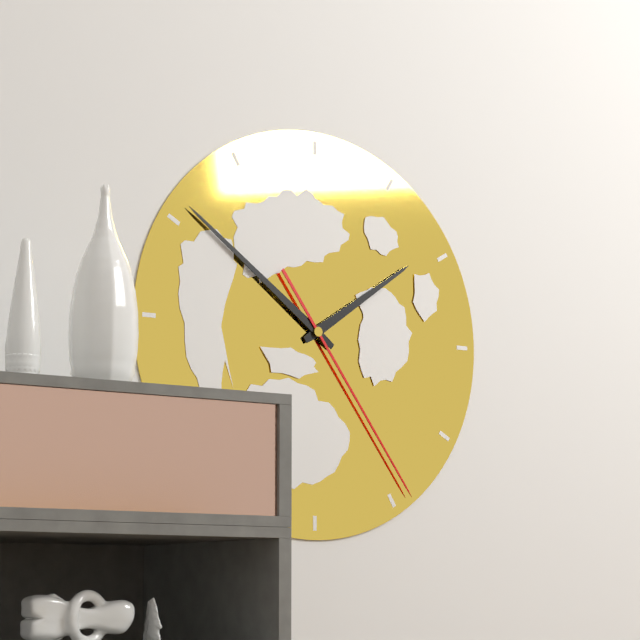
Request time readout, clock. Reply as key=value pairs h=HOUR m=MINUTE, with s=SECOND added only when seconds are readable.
h=1 m=51 s=24
